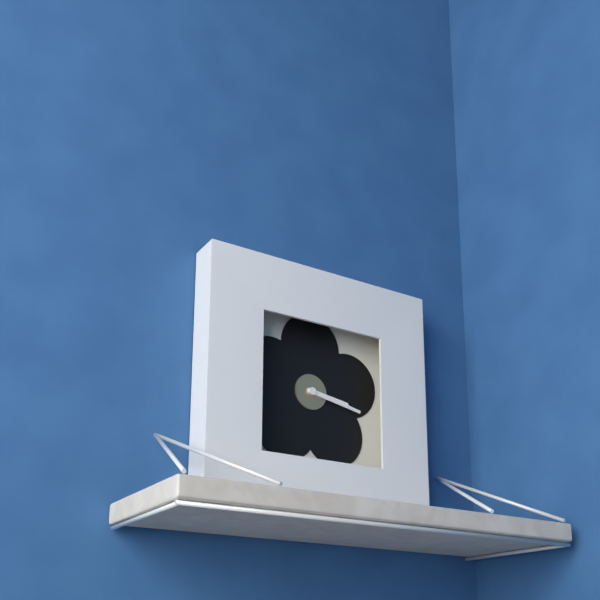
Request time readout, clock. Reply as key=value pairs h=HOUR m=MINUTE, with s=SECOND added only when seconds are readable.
h=3 m=17
